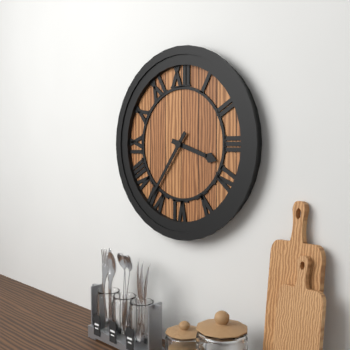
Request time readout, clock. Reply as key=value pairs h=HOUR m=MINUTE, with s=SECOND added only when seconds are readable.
h=3 m=36
